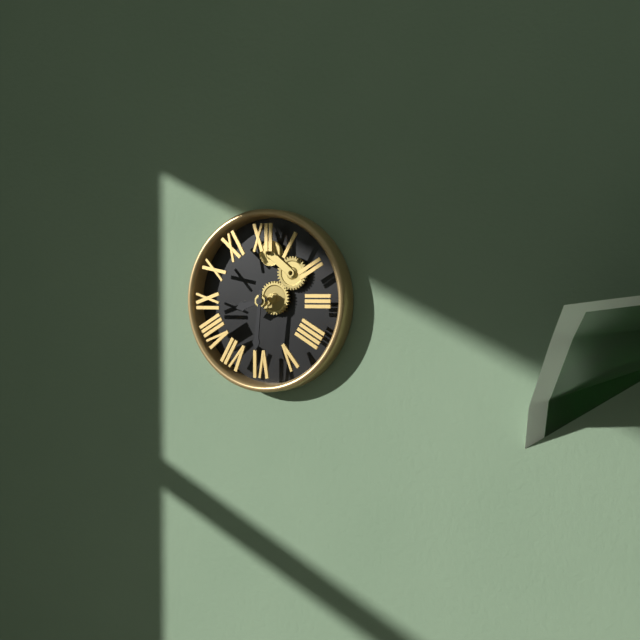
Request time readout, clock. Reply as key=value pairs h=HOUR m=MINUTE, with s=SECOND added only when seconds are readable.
h=8 m=31
